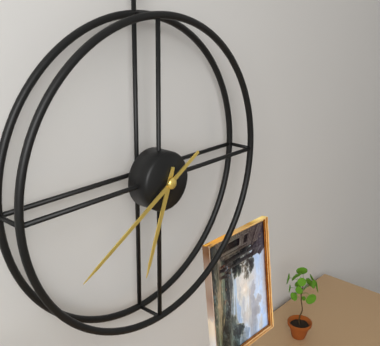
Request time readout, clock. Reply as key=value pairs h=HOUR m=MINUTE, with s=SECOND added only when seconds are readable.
h=6 m=40
